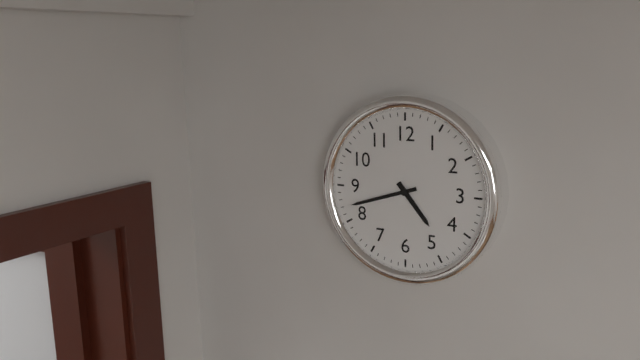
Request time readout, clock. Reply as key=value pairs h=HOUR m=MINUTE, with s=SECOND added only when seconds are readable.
h=4 m=42
